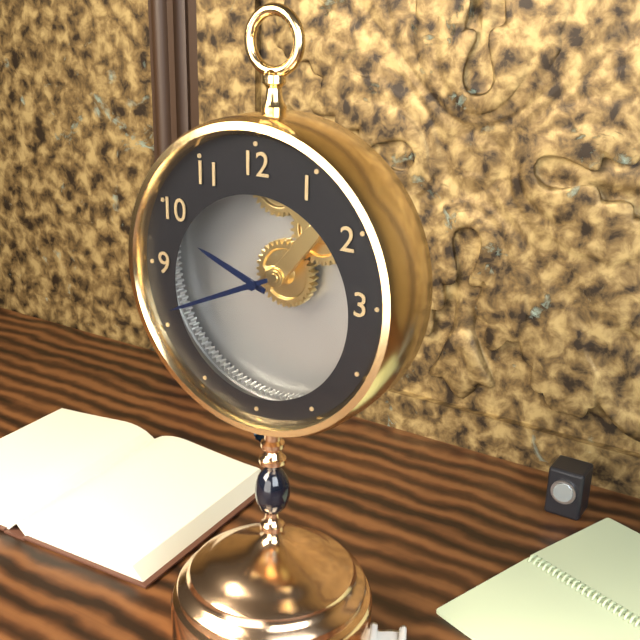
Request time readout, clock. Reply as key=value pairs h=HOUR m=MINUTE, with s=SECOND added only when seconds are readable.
h=9 m=41
